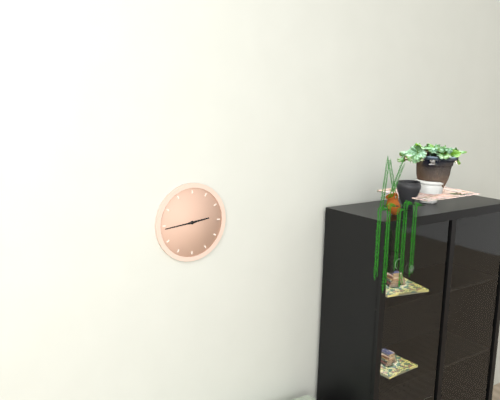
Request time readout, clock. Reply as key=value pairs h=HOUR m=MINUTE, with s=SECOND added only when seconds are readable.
h=2 m=44
